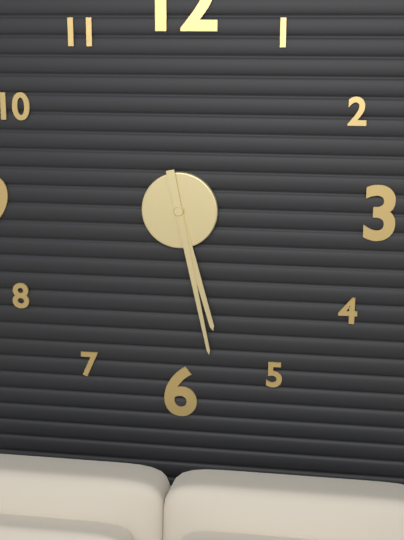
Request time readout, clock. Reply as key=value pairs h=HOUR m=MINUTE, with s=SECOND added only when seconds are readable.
h=5 m=28
